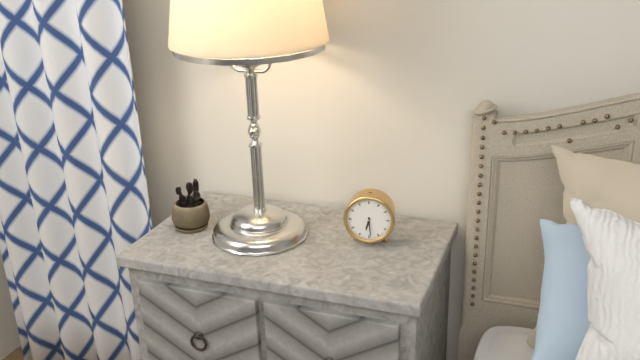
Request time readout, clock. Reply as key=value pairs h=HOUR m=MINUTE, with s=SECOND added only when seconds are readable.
h=6 m=29
